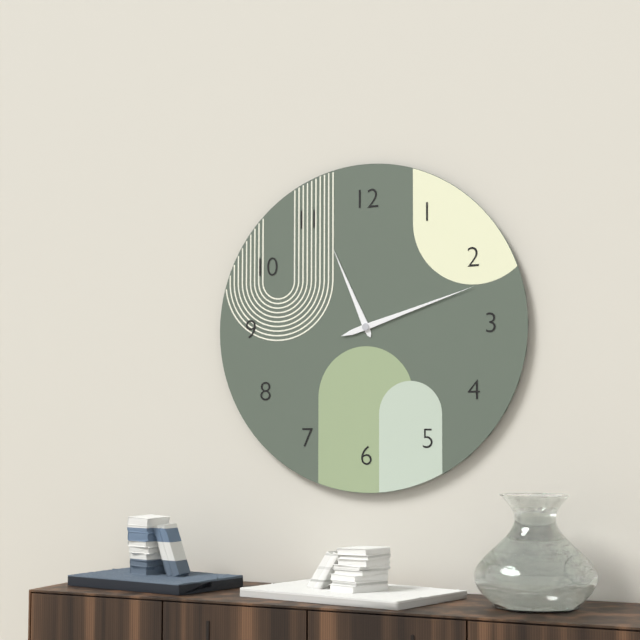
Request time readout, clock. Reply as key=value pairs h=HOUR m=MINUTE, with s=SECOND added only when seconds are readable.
h=11 m=12
